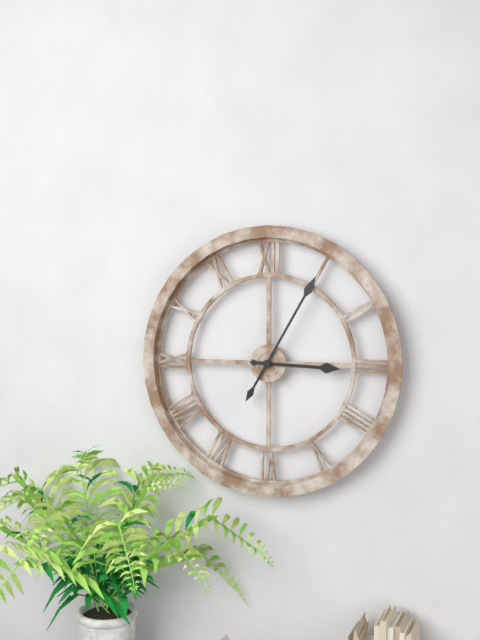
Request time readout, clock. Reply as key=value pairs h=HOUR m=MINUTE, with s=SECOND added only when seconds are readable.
h=3 m=5
